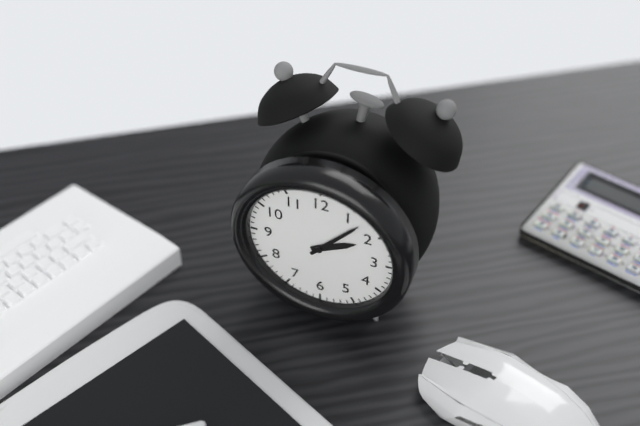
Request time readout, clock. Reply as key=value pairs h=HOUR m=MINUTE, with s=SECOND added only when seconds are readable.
h=2 m=7
